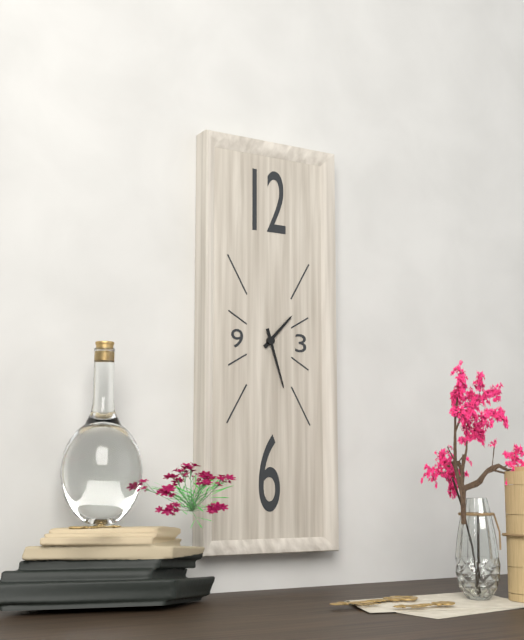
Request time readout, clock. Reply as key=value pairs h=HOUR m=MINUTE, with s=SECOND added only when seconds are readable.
h=1 m=27
